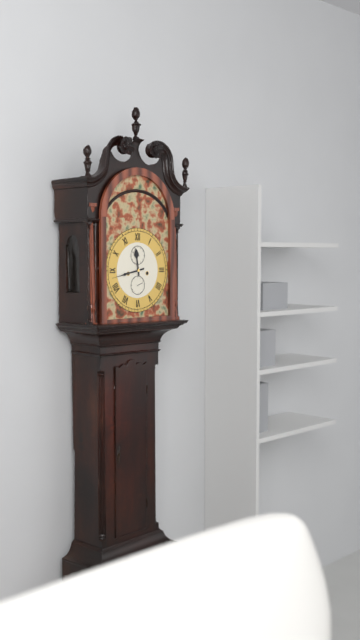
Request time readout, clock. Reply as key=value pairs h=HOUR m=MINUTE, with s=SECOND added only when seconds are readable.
h=11 m=43
